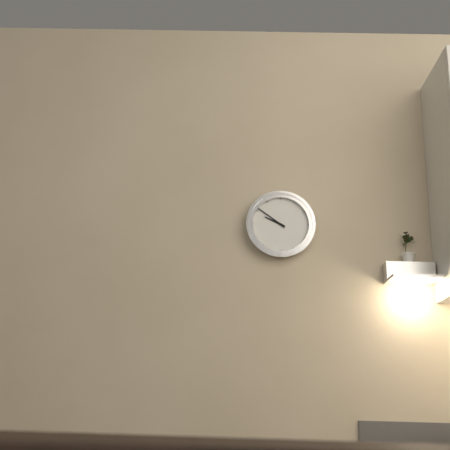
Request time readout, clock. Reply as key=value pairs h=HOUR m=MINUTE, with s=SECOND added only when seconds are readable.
h=9 m=51
